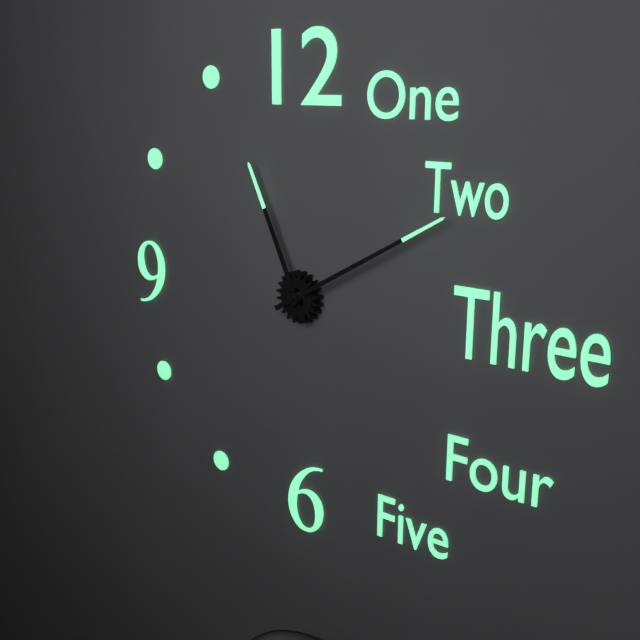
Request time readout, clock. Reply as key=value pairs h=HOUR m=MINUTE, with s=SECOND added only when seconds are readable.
h=11 m=10
